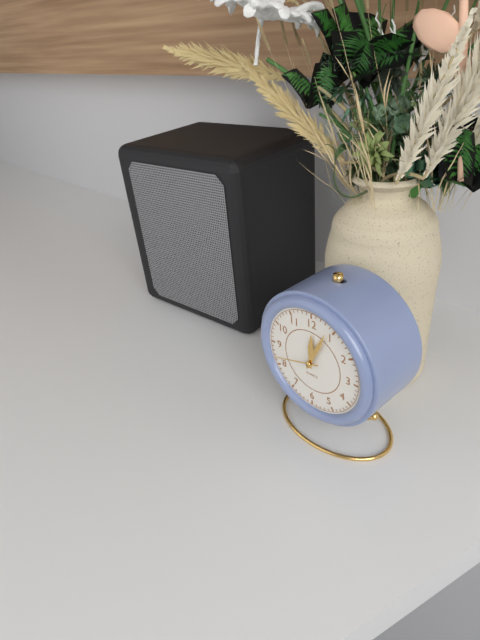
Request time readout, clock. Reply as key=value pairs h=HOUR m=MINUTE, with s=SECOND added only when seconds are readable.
h=12 m=4
